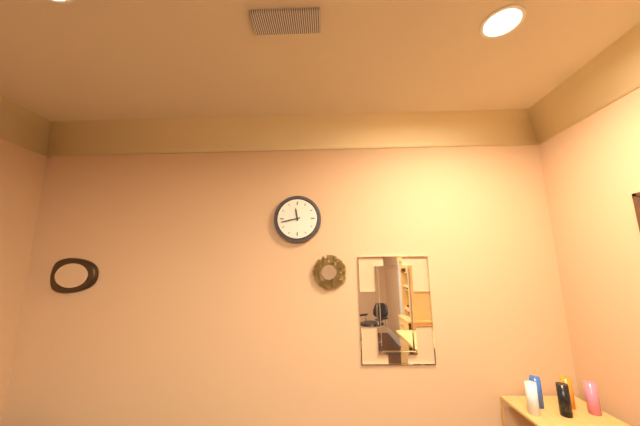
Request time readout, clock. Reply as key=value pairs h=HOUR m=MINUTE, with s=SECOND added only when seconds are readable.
h=11 m=43
